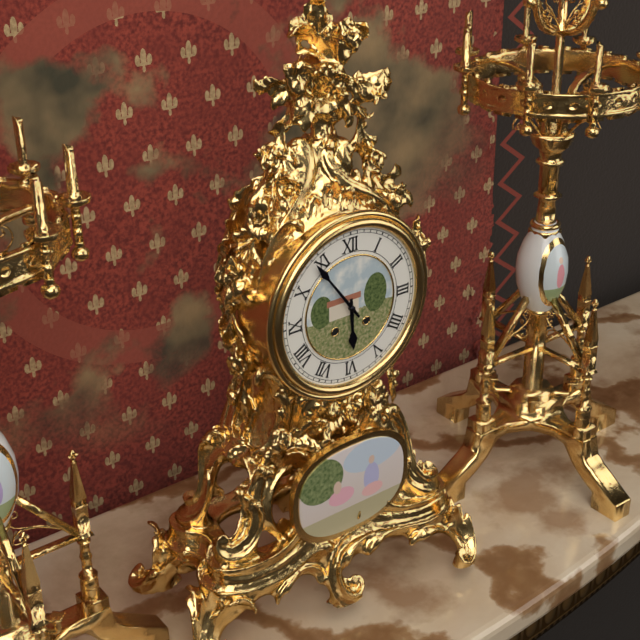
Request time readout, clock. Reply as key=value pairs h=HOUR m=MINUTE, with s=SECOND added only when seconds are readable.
h=5 m=54
